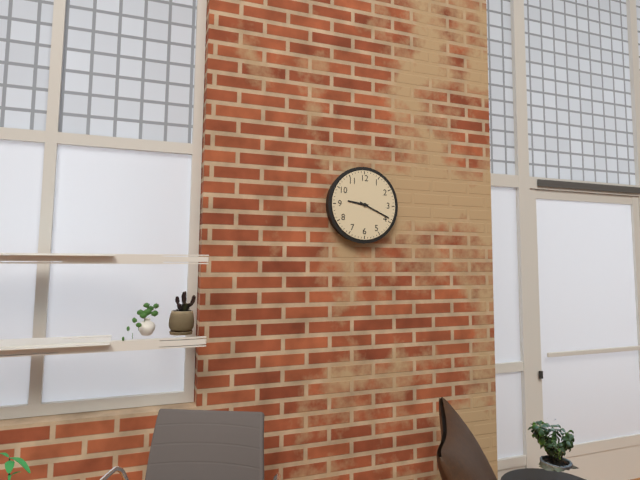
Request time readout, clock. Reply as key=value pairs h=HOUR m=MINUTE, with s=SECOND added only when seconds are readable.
h=9 m=19
